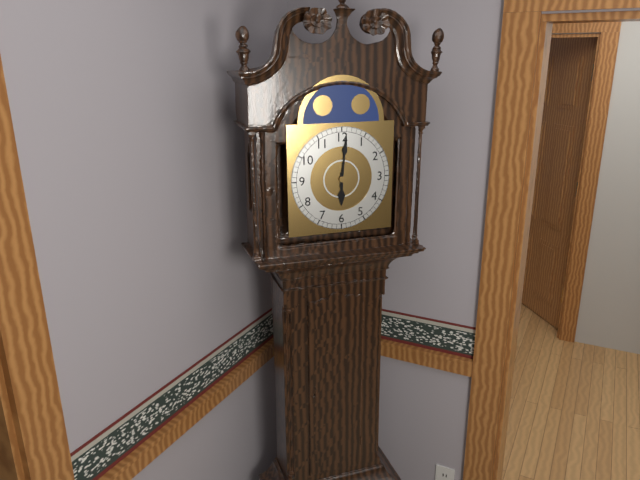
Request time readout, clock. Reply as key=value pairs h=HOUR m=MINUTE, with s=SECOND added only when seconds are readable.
h=6 m=1
